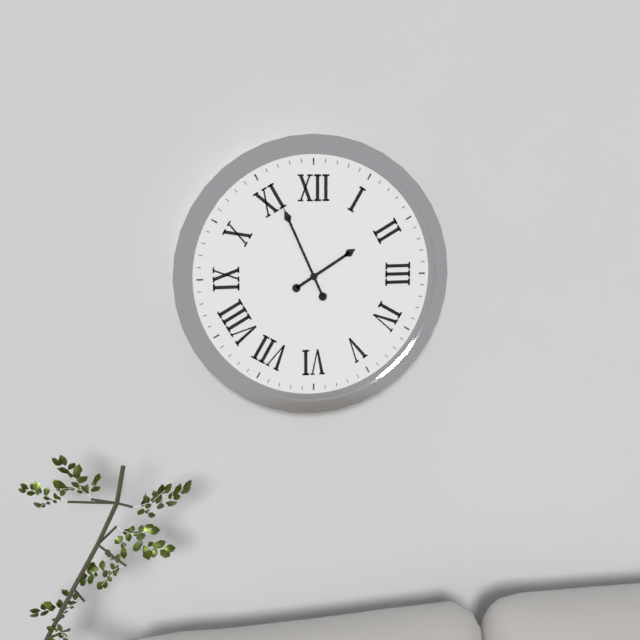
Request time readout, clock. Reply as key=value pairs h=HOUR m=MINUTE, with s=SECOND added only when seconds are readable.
h=1 m=56 s=56
